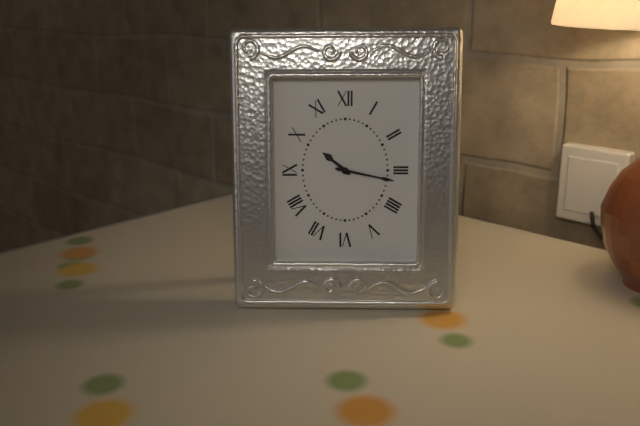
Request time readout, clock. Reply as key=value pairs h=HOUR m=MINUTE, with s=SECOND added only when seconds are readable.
h=10 m=17
